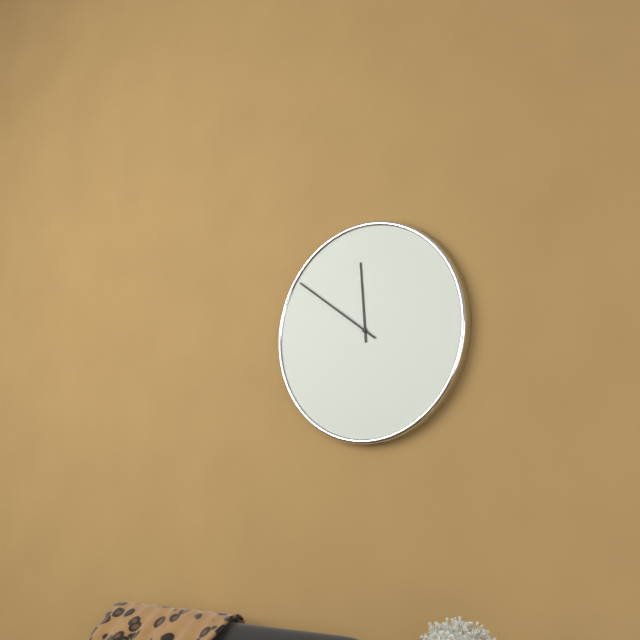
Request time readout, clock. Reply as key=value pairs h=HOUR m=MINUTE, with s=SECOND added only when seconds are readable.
h=11 m=51
